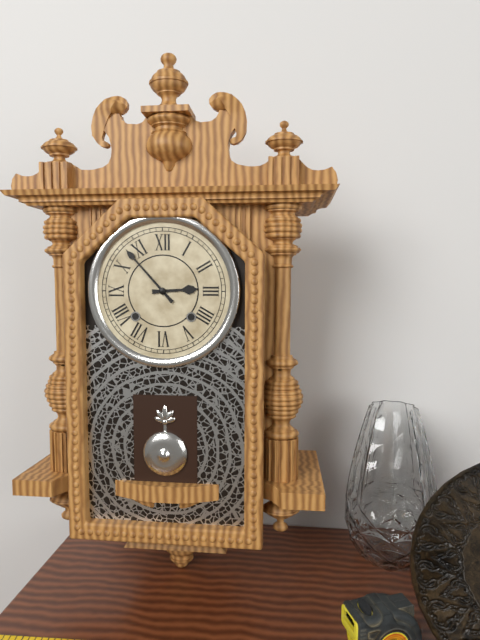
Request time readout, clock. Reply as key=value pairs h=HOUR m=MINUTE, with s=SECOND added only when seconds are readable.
h=2 m=53
